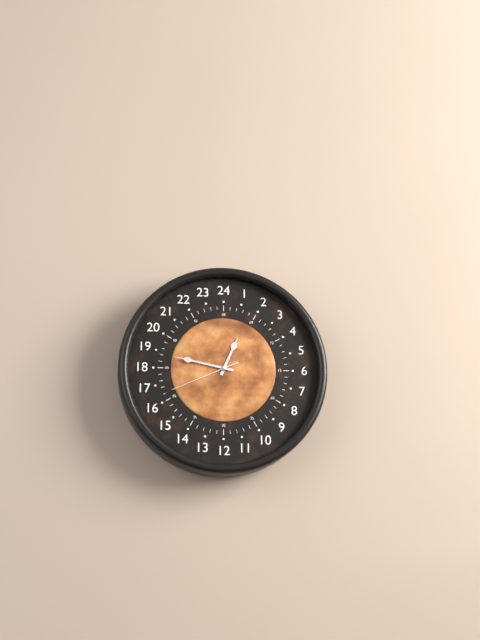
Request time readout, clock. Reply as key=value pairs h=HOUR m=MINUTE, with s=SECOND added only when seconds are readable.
h=12 m=47 s=41
